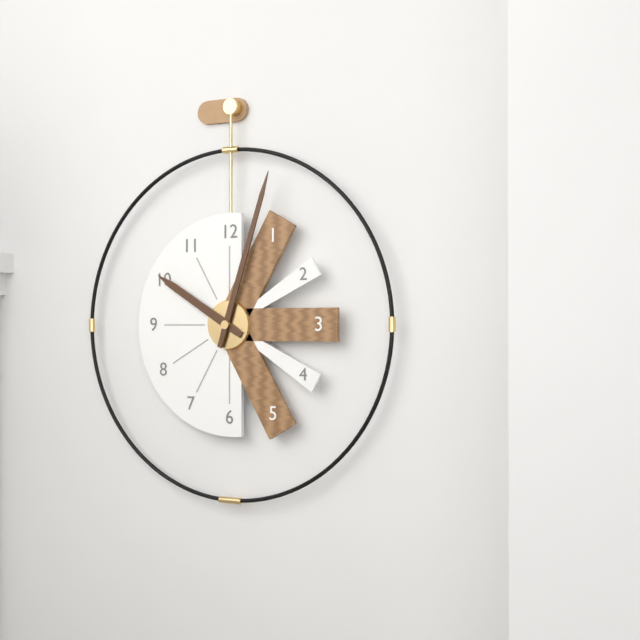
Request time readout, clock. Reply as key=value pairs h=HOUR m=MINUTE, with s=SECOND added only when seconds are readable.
h=10 m=3
